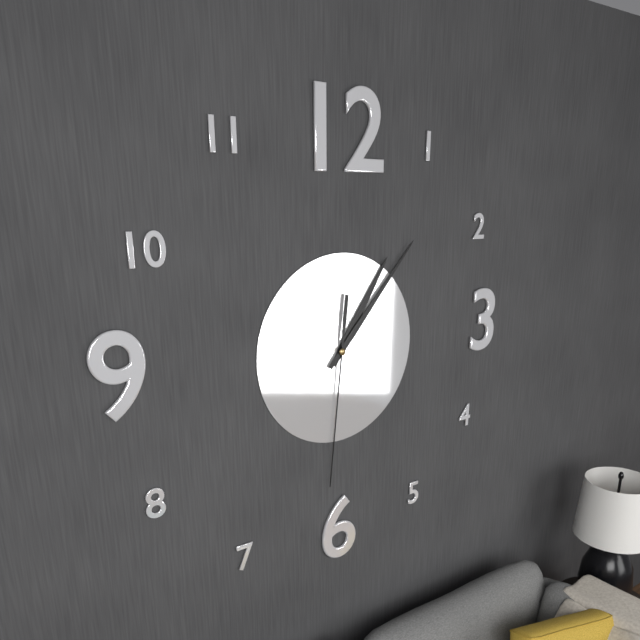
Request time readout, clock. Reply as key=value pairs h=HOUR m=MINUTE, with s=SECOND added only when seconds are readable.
h=1 m=7 s=31
